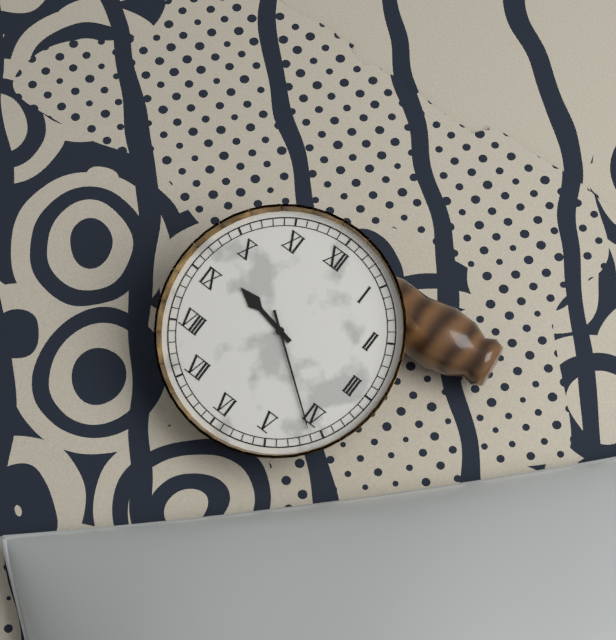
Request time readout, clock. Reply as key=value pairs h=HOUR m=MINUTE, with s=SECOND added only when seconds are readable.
h=9 m=21
